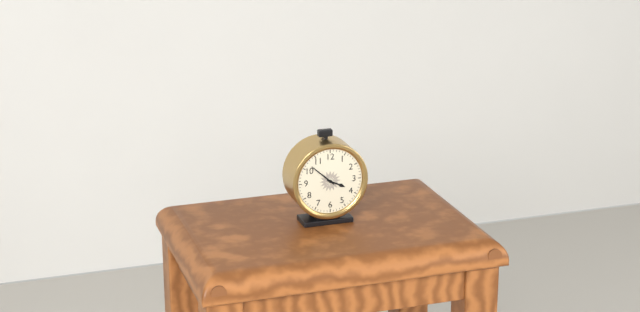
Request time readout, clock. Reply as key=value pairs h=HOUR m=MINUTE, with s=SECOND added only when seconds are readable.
h=3 m=52
